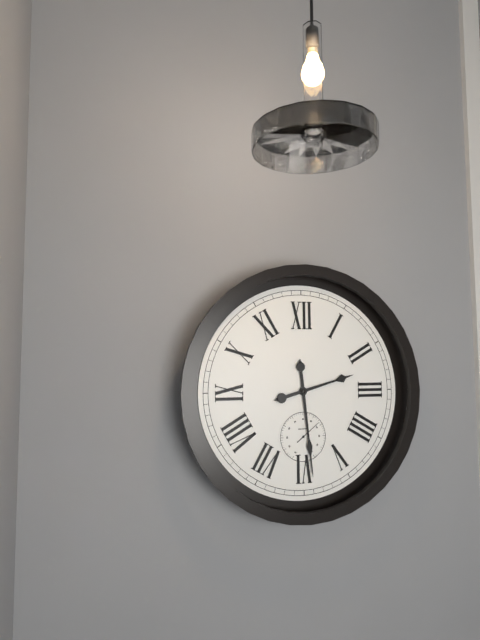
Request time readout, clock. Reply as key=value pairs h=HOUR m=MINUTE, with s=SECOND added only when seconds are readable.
h=2 m=29
